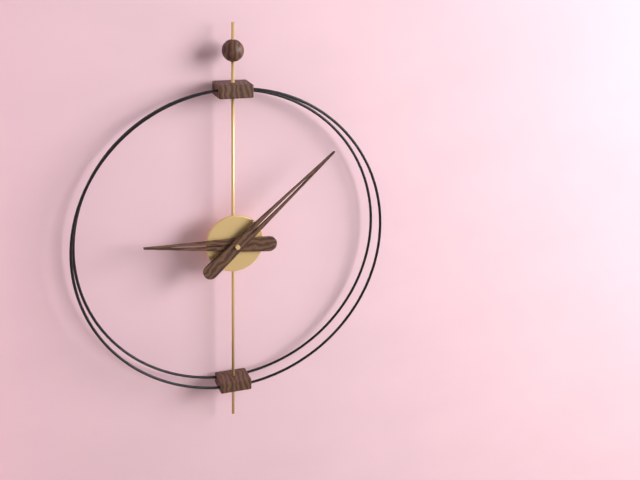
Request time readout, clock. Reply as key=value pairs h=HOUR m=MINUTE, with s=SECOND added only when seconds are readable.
h=9 m=8
